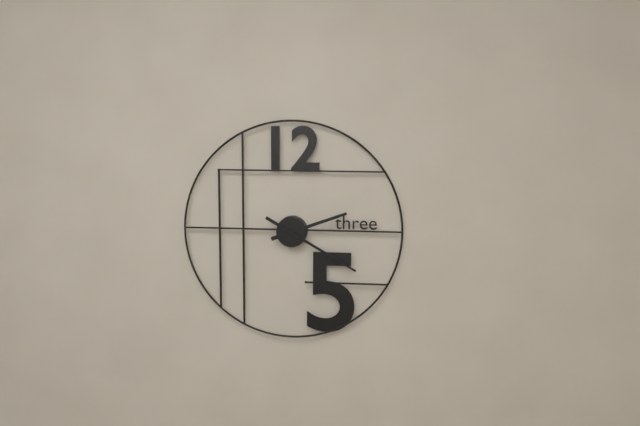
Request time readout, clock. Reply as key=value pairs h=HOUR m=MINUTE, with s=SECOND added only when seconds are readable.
h=2 m=20
